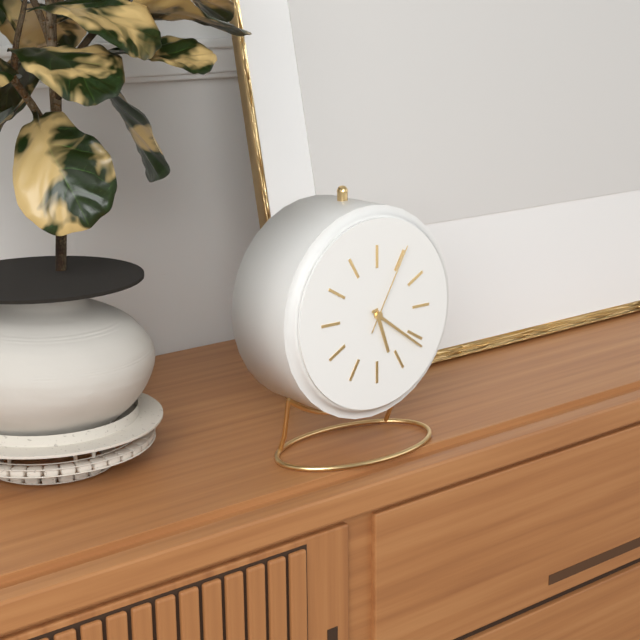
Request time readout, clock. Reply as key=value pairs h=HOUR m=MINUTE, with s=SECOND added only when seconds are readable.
h=5 m=21 s=5
